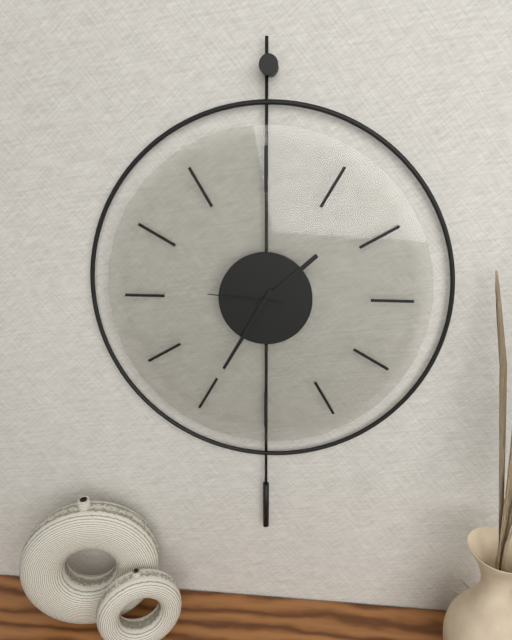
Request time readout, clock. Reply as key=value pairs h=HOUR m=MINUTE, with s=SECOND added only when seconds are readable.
h=1 m=35 s=46
